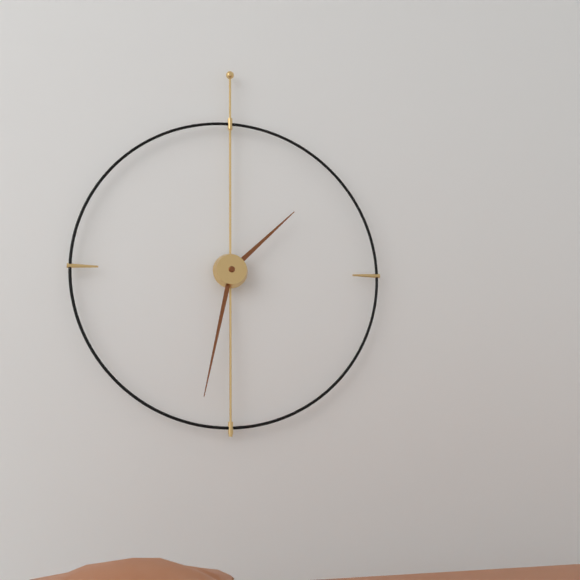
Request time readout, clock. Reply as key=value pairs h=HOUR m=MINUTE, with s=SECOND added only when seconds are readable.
h=1 m=32
